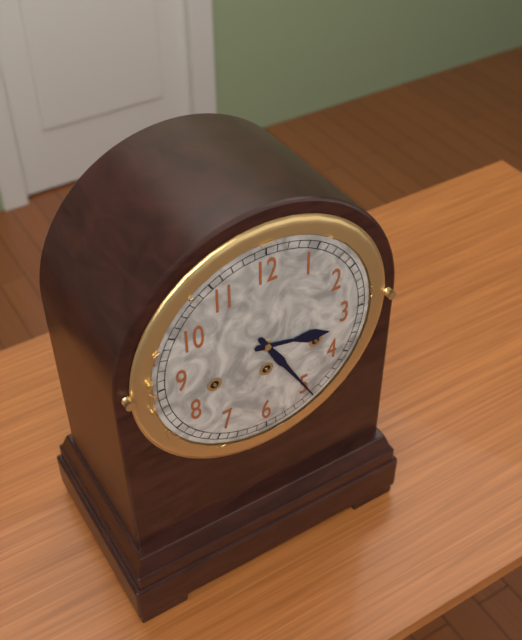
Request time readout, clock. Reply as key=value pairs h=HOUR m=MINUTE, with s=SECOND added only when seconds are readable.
h=3 m=25
